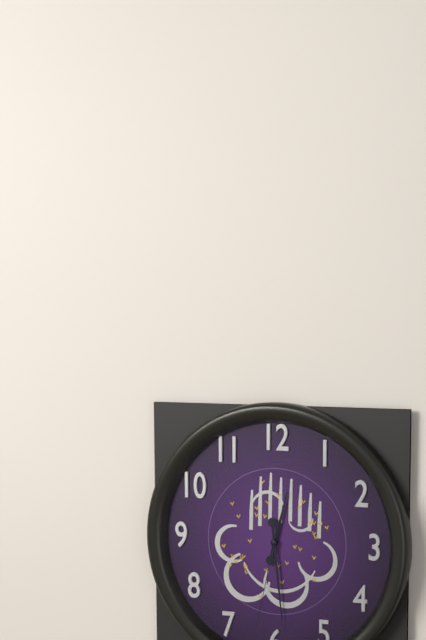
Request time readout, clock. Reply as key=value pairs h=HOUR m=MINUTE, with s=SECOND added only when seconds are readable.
h=12 m=29 s=32
